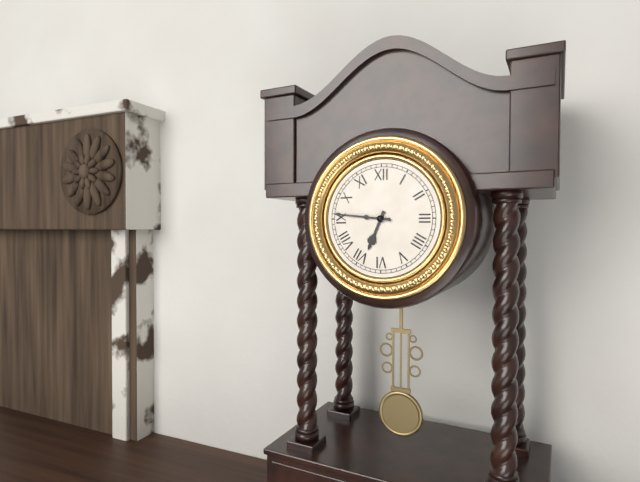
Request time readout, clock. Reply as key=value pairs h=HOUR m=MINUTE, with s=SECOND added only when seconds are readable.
h=6 m=46
